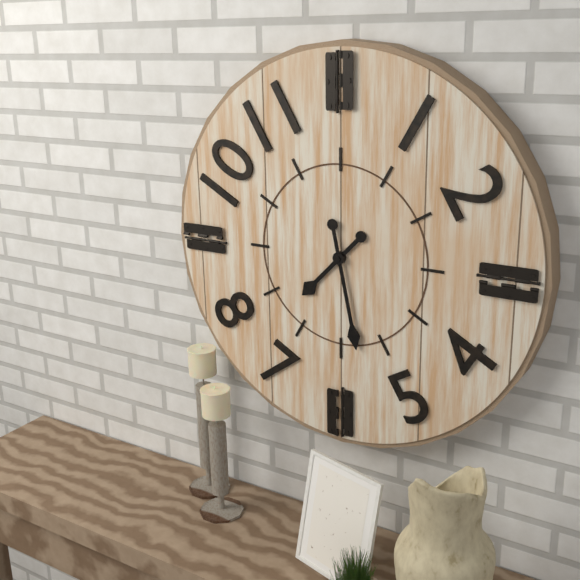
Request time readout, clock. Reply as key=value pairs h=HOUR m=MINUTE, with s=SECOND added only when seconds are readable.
h=7 m=28
